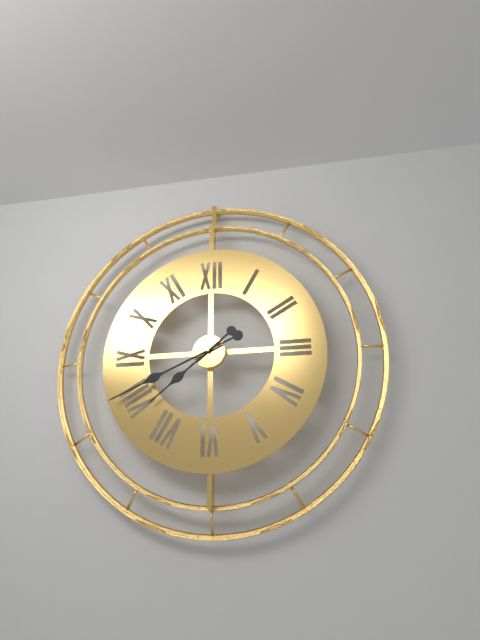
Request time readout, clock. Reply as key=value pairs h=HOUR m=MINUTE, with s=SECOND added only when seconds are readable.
h=7 m=41
